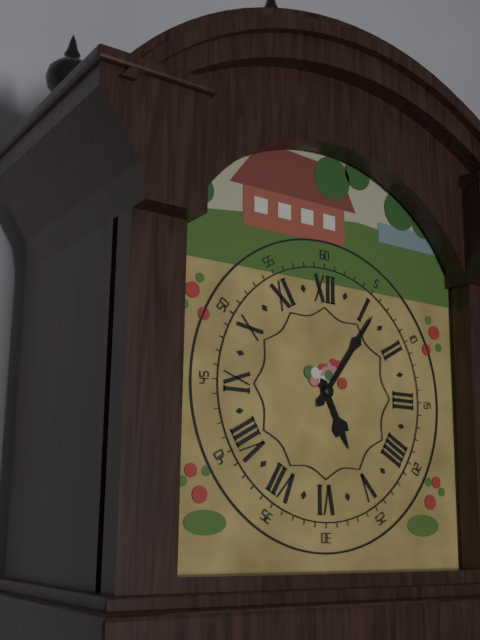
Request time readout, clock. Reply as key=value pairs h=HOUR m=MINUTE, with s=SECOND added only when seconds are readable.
h=5 m=6
